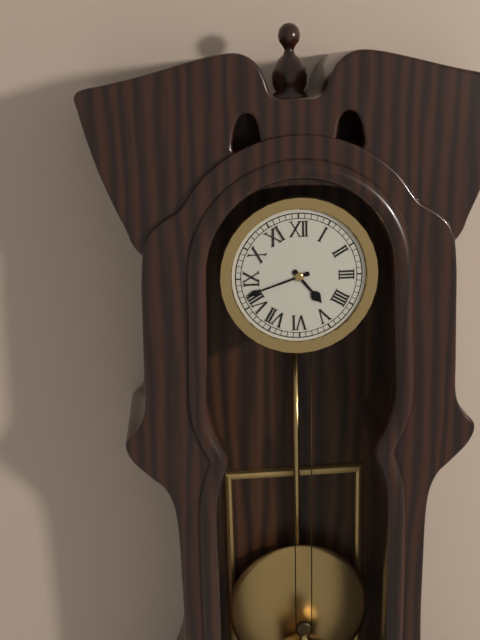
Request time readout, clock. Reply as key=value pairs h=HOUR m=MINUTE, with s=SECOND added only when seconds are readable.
h=4 m=42
